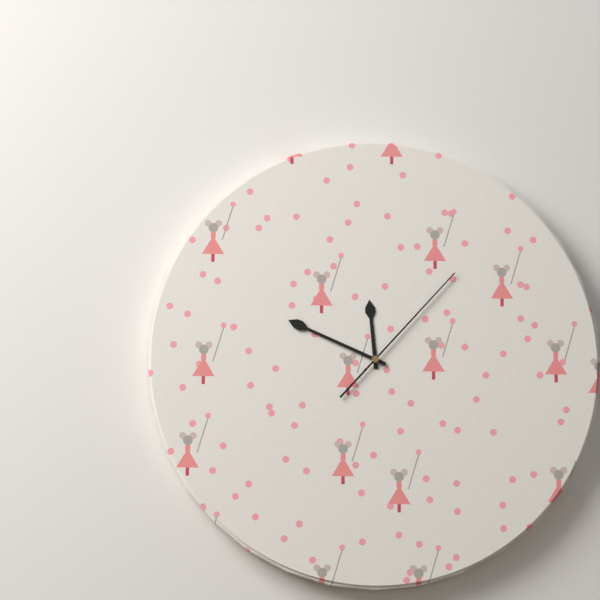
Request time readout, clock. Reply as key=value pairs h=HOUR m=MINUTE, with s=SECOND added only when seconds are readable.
h=11 m=49 s=7
